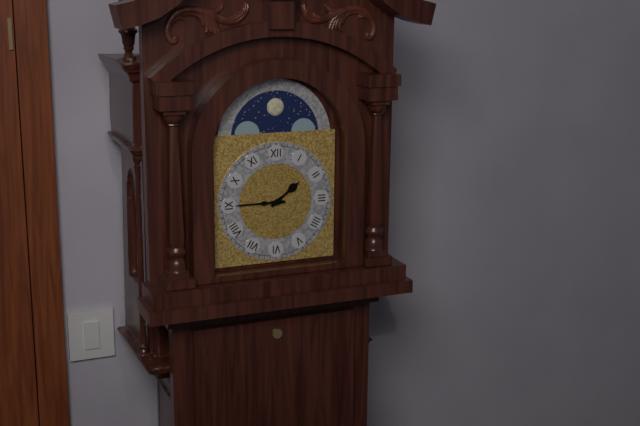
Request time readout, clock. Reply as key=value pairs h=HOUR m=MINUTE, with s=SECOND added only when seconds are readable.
h=1 m=45
